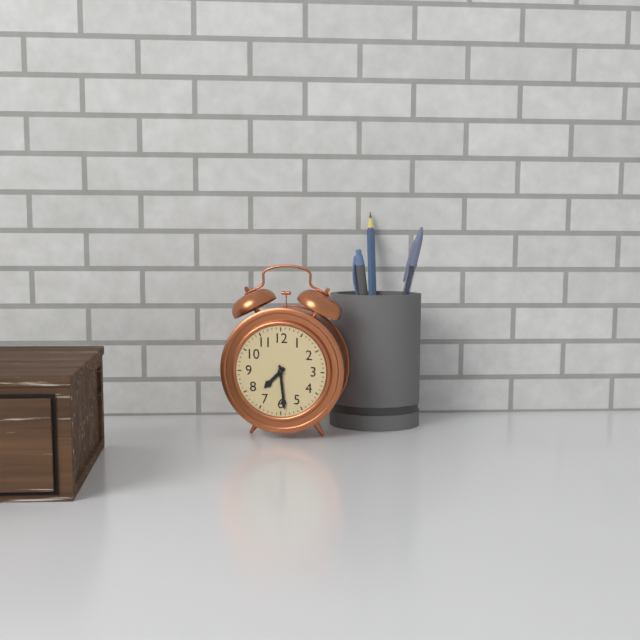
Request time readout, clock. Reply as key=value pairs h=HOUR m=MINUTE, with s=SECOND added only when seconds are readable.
h=7 m=29
